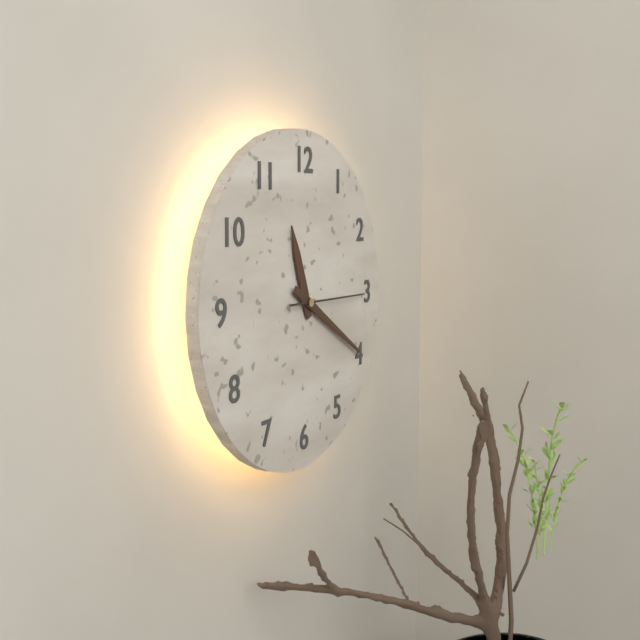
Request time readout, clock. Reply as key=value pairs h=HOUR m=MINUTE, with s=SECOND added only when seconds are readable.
h=11 m=20 s=15
